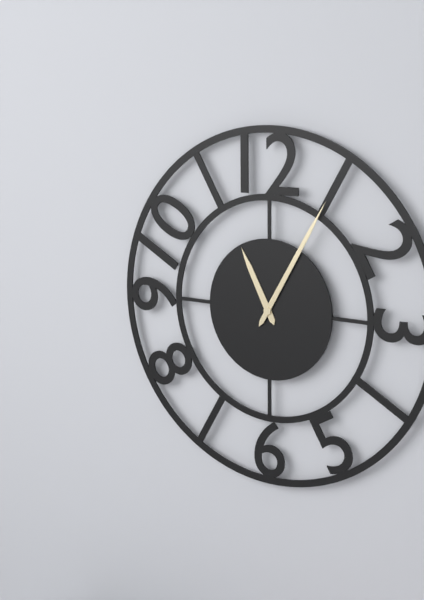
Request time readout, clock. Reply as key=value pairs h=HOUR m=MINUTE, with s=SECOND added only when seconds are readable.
h=11 m=5
